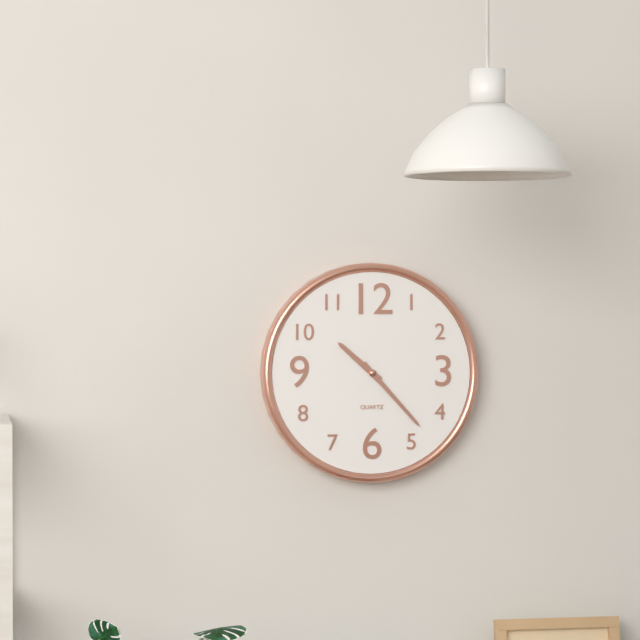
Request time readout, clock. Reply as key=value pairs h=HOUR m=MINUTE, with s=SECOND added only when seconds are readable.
h=10 m=23
